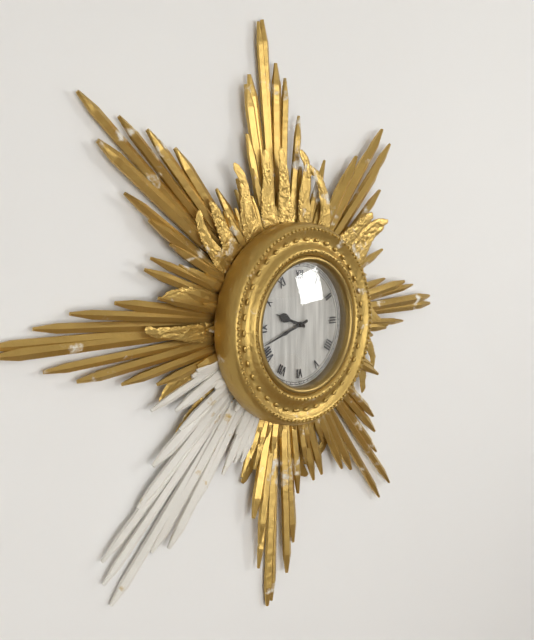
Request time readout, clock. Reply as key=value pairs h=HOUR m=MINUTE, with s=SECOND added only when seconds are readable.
h=9 m=42
